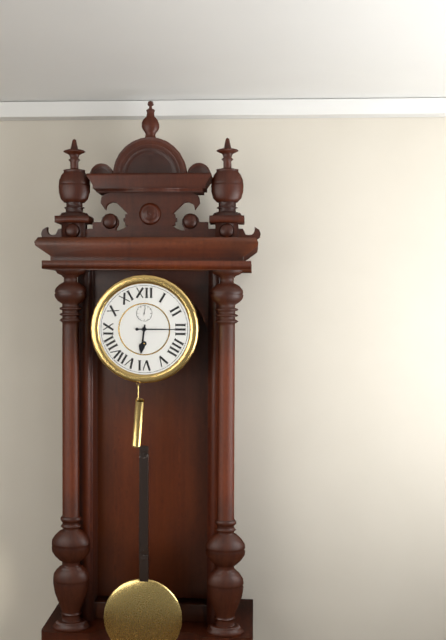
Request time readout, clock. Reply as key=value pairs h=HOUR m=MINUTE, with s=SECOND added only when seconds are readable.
h=6 m=15
